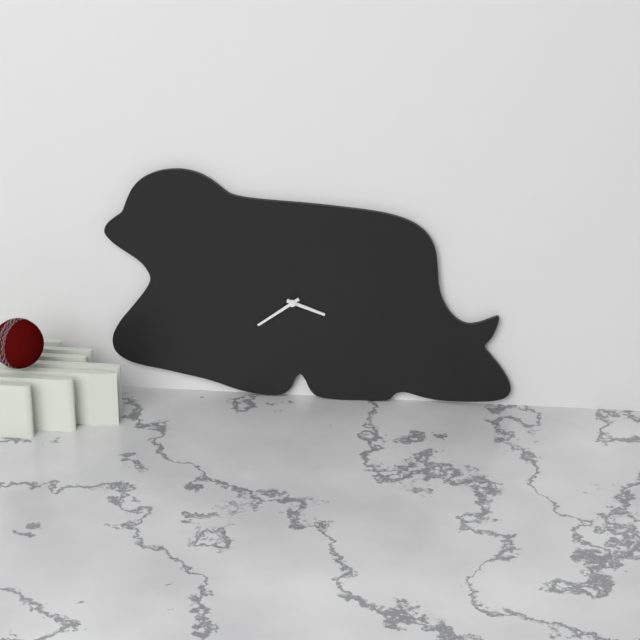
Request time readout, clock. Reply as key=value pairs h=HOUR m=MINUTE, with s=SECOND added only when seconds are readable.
h=3 m=39
